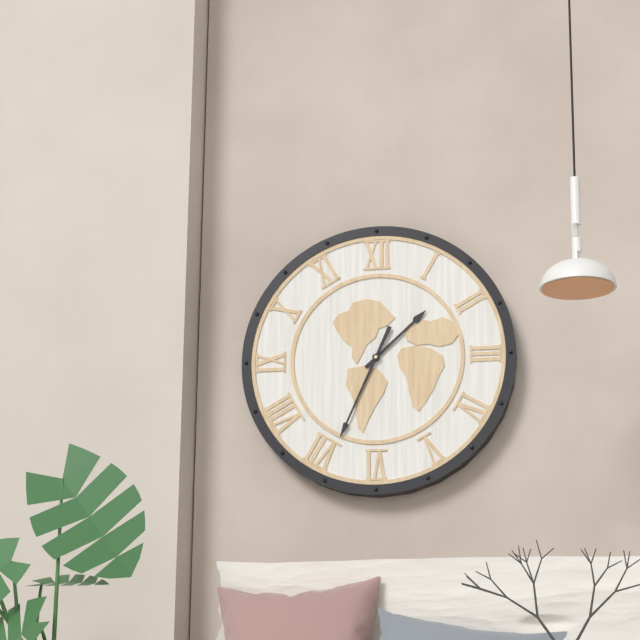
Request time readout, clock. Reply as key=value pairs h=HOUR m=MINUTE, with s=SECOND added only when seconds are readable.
h=1 m=34
